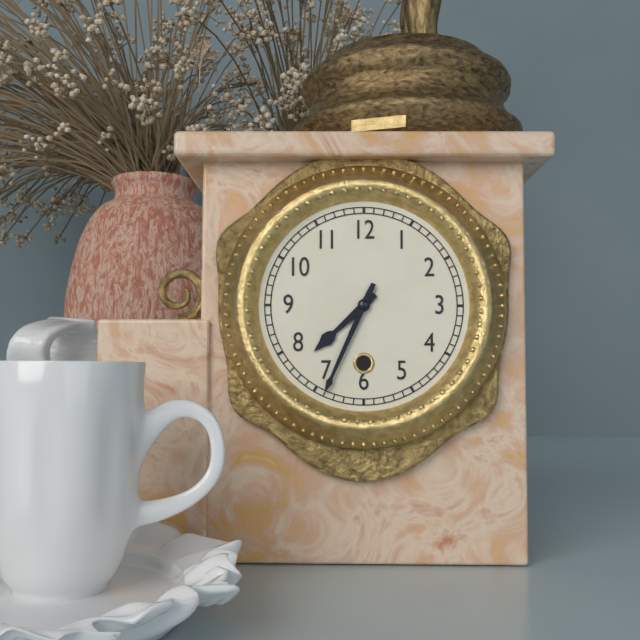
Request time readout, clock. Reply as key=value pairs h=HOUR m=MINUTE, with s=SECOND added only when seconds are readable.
h=7 m=34
